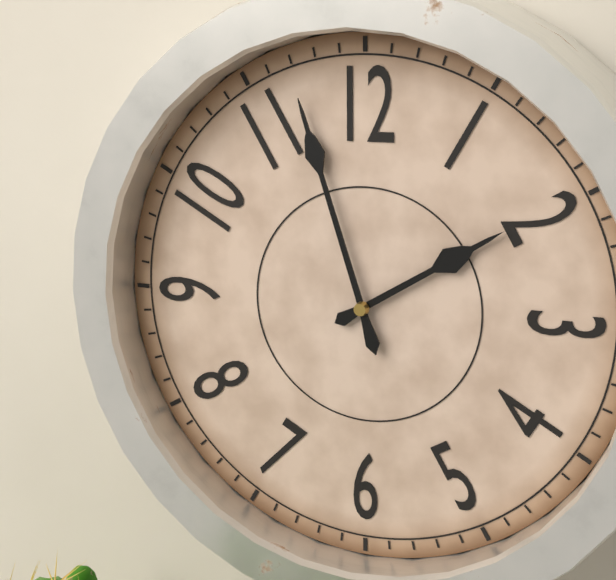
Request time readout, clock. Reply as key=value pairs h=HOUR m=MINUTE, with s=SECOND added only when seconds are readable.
h=1 m=57
